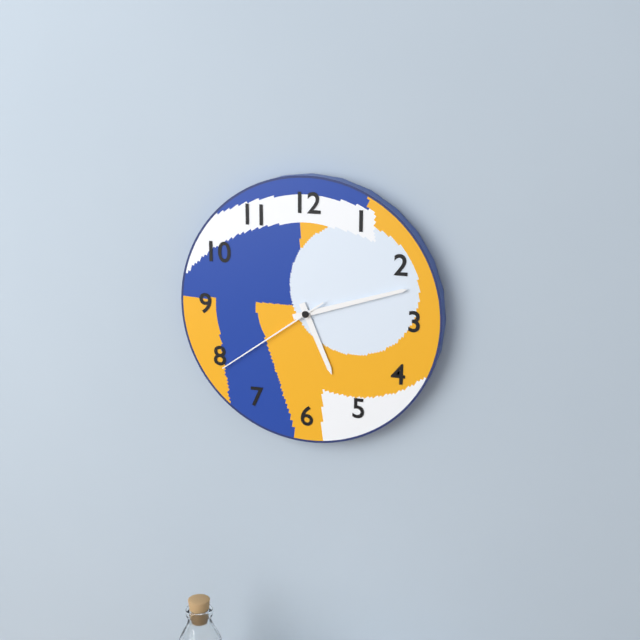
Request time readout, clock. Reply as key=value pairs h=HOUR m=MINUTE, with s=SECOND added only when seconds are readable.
h=5 m=12 s=39
